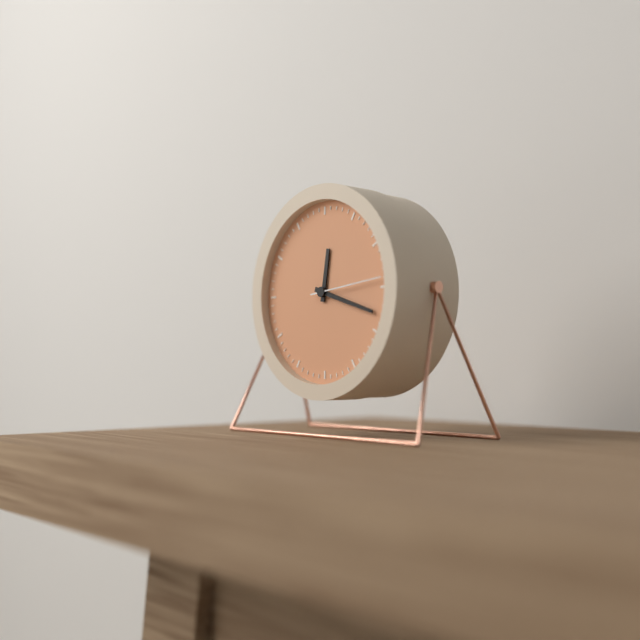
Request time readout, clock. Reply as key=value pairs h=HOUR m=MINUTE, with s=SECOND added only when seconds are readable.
h=12 m=18 s=14
